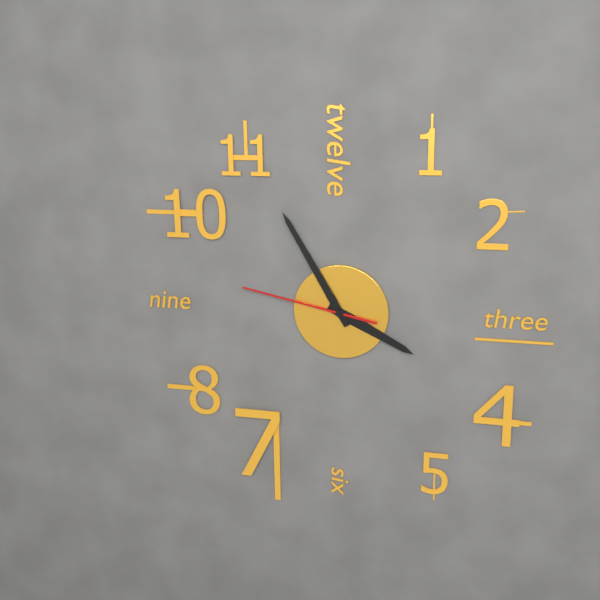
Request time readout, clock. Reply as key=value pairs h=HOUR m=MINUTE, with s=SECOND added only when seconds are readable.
h=3 m=55 s=47
